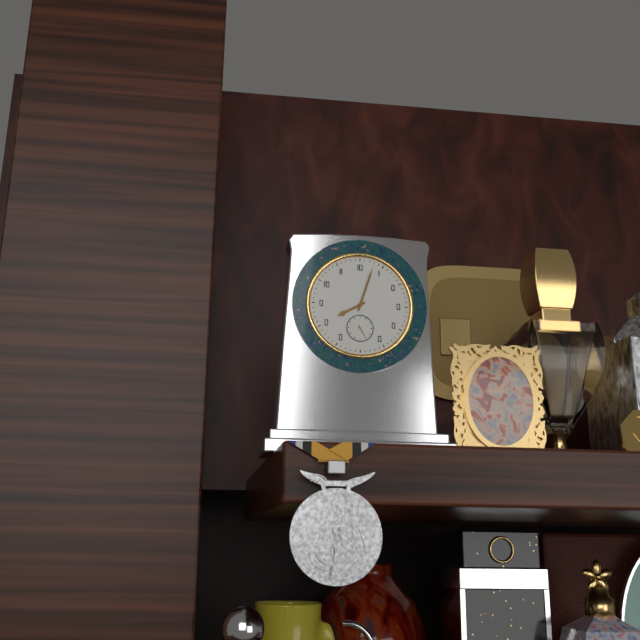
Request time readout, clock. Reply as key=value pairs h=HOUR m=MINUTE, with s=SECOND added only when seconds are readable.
h=8 m=3
